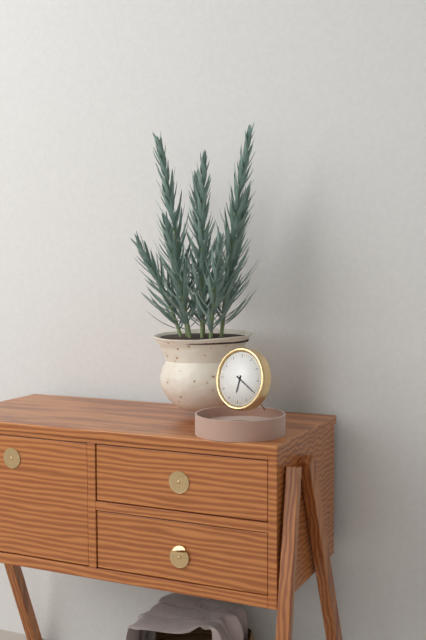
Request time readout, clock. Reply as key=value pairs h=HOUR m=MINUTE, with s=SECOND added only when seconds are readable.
h=6 m=20
